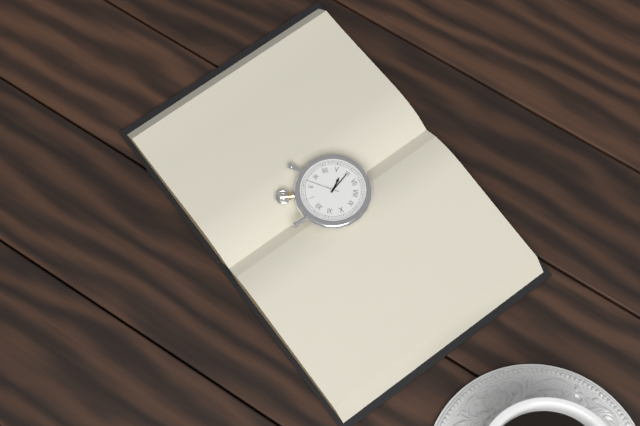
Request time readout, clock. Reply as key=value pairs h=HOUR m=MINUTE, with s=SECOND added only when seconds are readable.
h=5 m=30
